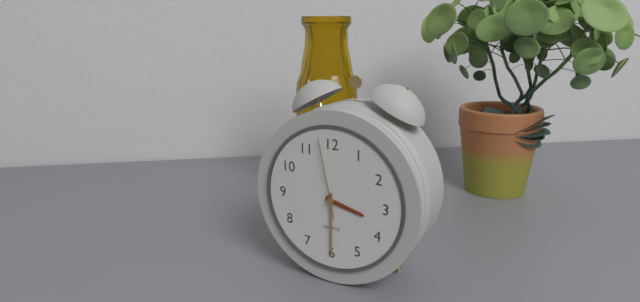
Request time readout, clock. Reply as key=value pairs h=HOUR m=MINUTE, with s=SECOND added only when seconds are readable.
h=3 m=30 s=58
